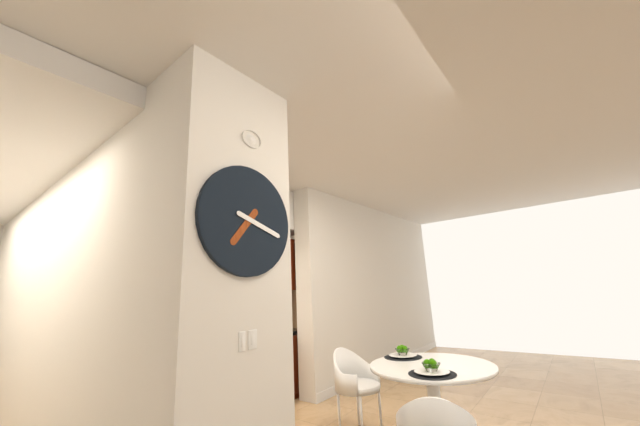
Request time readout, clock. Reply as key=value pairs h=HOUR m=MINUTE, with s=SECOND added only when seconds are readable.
h=7 m=18
